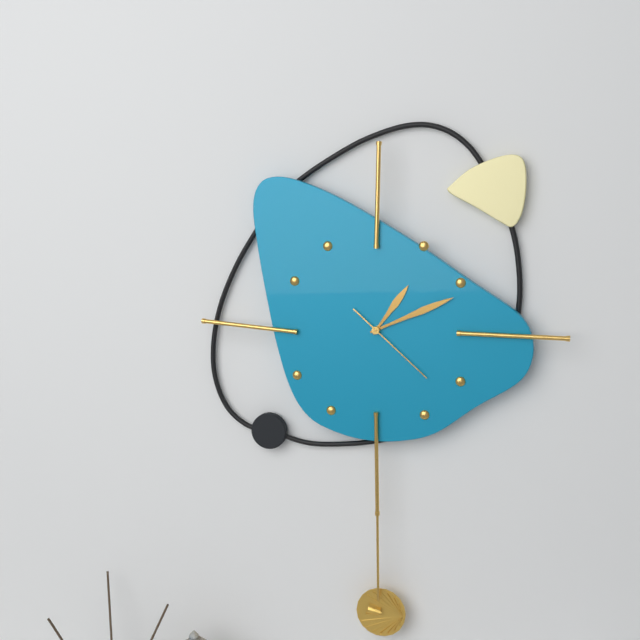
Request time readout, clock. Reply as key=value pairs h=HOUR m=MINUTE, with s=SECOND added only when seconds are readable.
h=1 m=11 s=22
